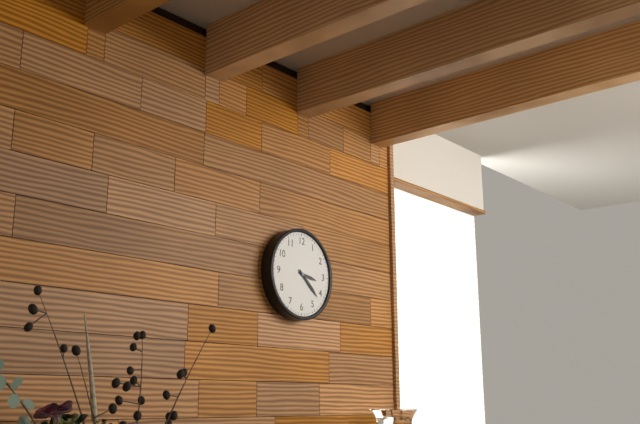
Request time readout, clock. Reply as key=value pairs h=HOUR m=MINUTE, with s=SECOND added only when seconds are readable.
h=3 m=22
